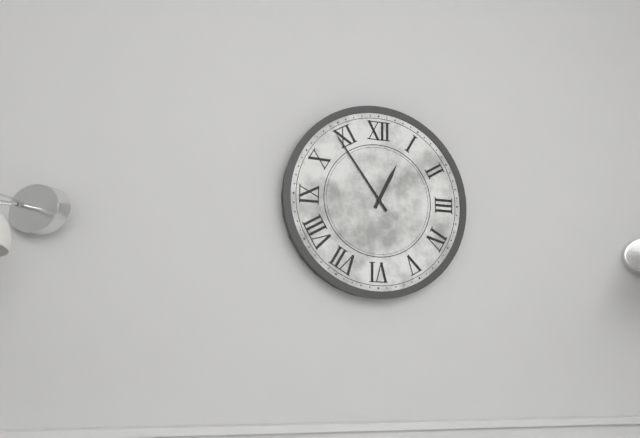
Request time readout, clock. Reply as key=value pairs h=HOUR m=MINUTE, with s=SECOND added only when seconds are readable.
h=12 m=54
